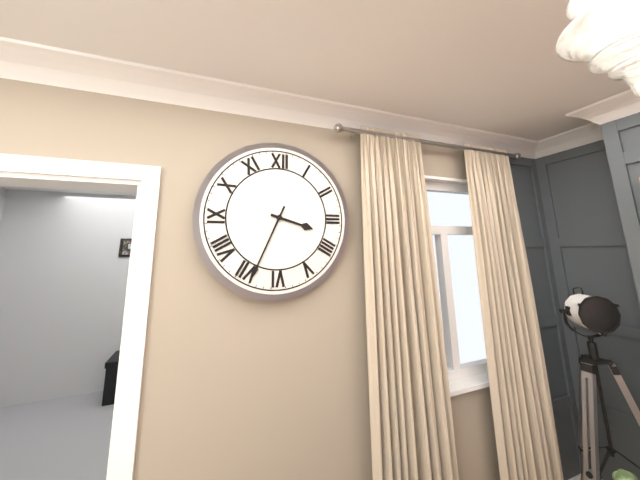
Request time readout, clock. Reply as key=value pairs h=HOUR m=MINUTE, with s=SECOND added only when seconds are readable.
h=3 m=34
